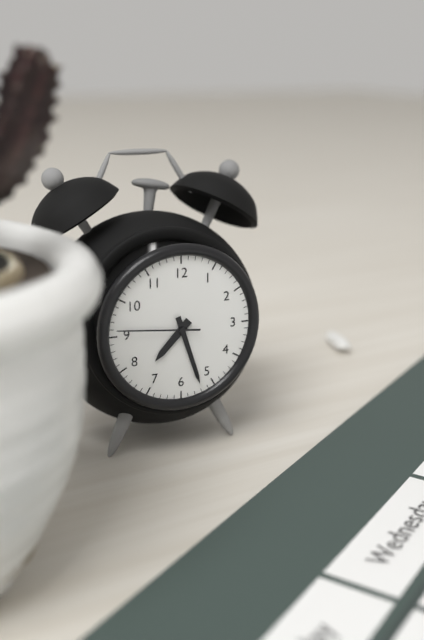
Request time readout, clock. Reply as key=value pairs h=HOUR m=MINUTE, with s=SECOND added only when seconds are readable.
h=7 m=27 s=46
